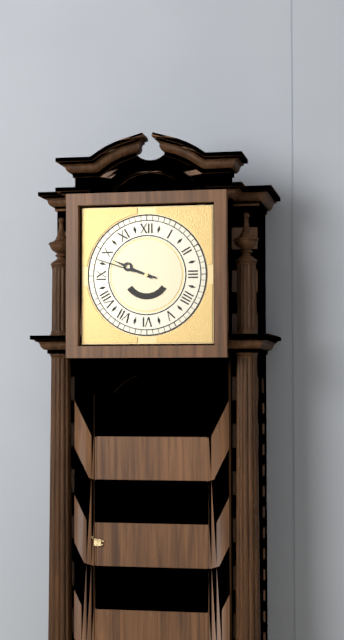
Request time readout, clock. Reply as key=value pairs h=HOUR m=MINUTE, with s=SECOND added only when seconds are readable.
h=9 m=48
